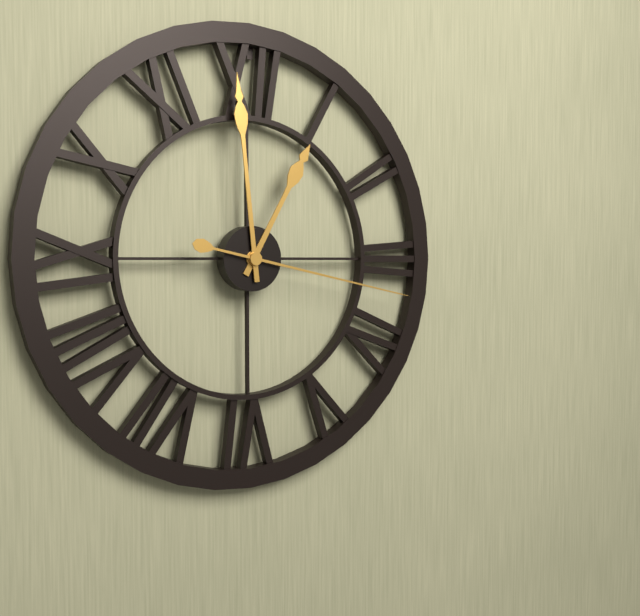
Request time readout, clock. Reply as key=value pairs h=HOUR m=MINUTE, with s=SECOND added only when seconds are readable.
h=12 m=59 s=17
